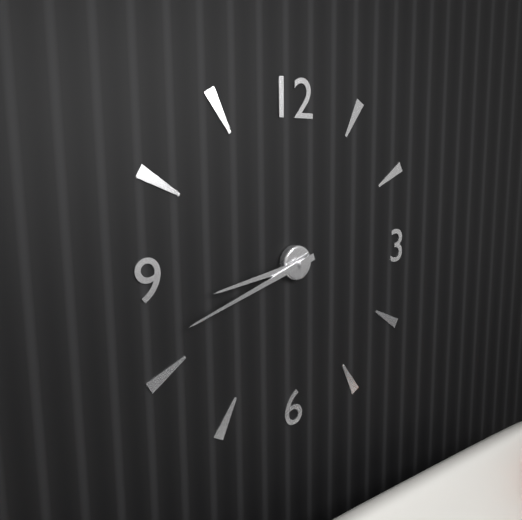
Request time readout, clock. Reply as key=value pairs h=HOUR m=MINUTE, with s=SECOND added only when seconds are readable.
h=8 m=42
